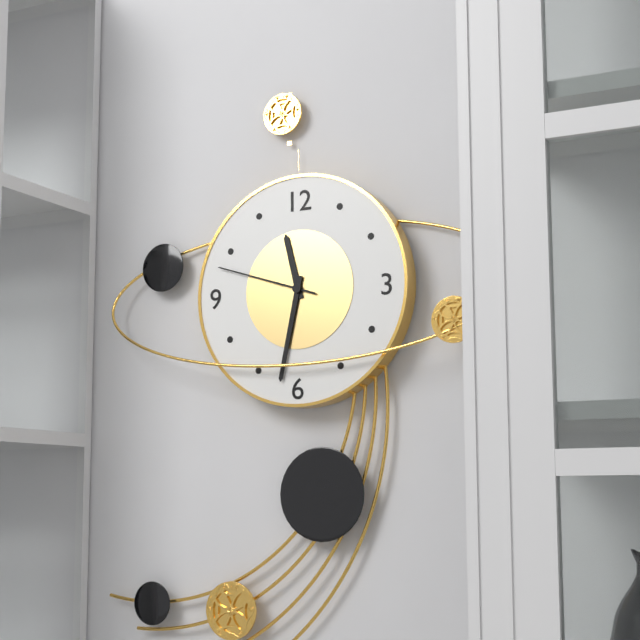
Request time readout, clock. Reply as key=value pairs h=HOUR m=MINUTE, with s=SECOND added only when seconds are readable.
h=11 m=32 s=48
